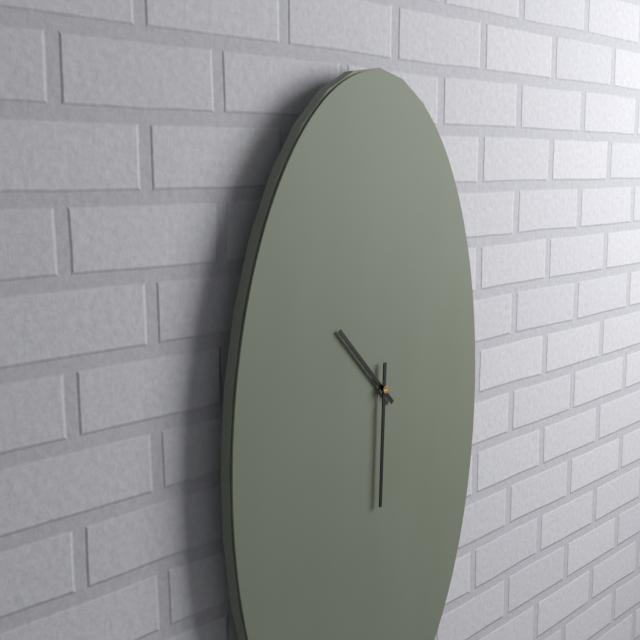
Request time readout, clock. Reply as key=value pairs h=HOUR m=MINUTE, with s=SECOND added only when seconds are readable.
h=10 m=30
